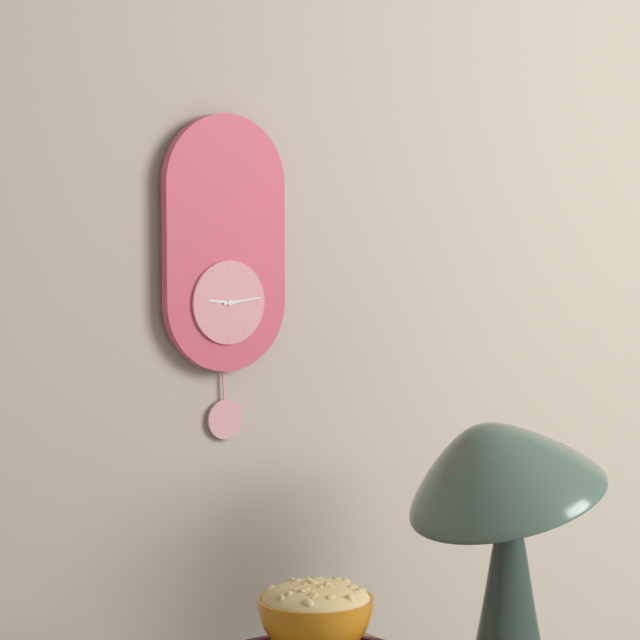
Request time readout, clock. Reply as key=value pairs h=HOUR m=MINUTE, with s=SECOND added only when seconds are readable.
h=9 m=14
